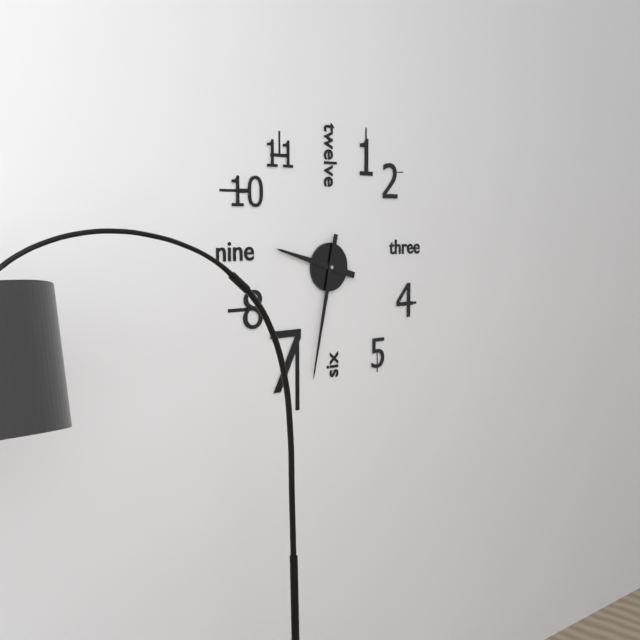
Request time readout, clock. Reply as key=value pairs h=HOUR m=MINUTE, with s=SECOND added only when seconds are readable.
h=9 m=32
